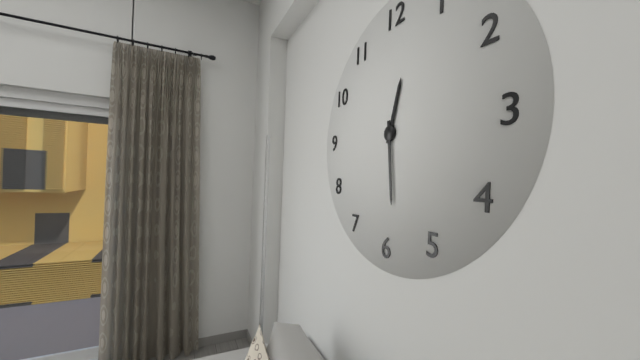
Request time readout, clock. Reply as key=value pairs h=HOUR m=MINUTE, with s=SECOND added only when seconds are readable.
h=12 m=29
